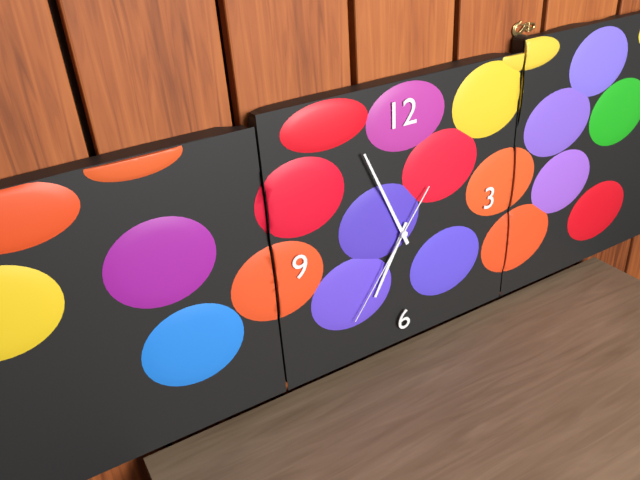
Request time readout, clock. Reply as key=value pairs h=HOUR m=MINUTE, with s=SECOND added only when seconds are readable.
h=6 m=56 s=36
